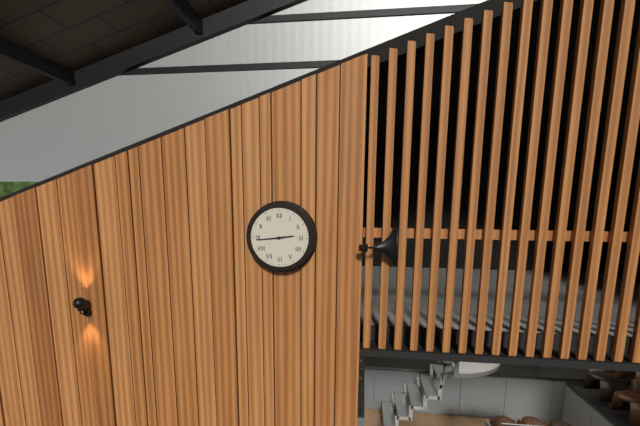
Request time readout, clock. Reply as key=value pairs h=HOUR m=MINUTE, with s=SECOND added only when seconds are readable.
h=2 m=44
